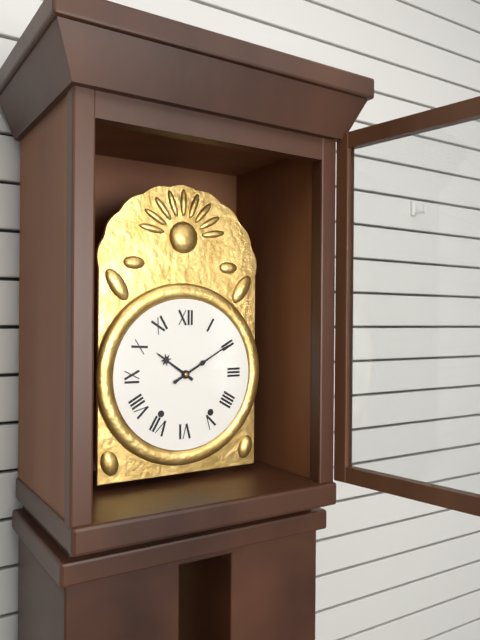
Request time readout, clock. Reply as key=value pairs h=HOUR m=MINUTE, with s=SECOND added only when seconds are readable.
h=10 m=10
